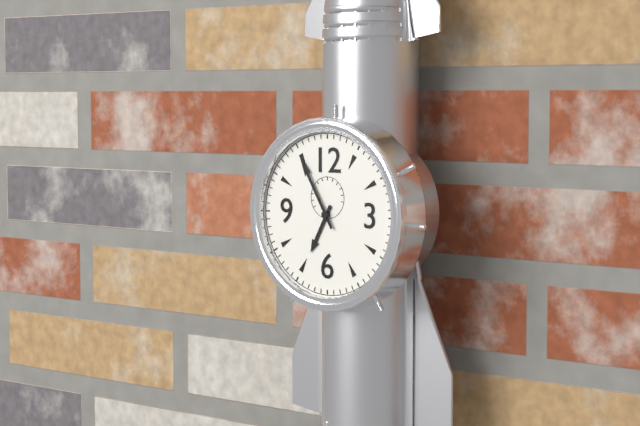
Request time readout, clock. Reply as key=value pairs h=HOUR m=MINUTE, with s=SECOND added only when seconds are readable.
h=6 m=55
